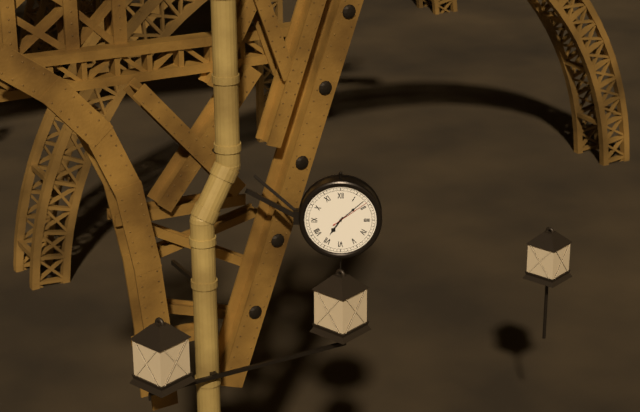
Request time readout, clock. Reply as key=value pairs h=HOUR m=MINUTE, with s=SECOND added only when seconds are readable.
h=7 m=8
